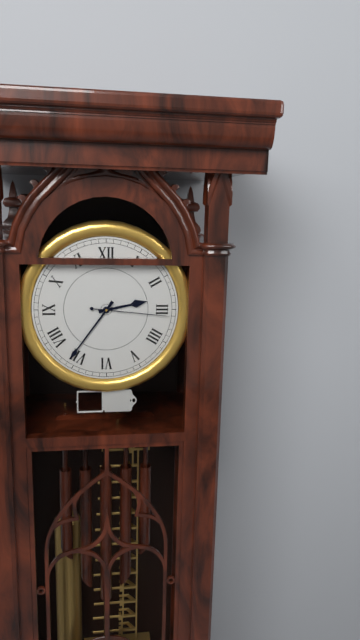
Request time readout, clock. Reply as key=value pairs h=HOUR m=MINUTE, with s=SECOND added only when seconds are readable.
h=2 m=36 s=16
